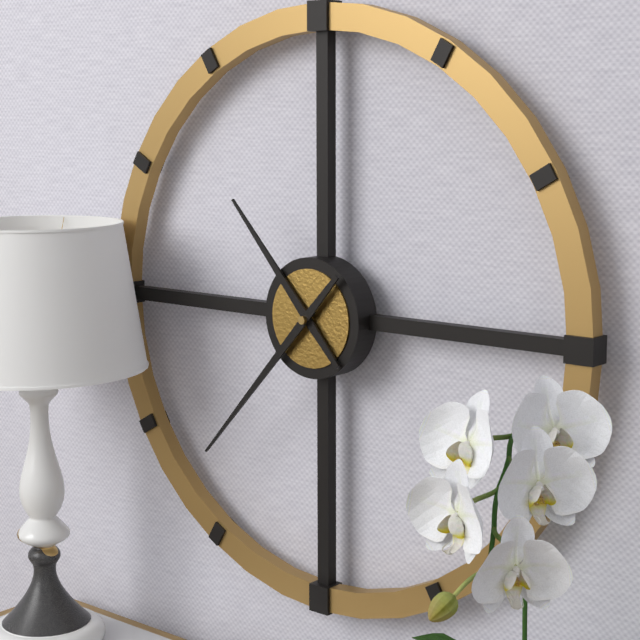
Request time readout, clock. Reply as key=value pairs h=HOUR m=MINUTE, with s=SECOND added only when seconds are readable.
h=10 m=37
